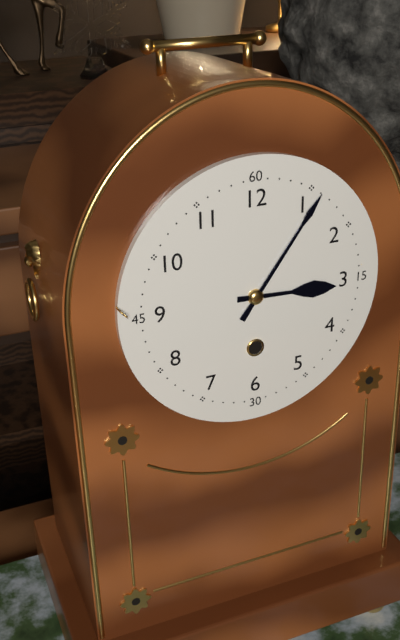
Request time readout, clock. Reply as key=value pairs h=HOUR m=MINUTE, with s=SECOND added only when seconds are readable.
h=3 m=6
